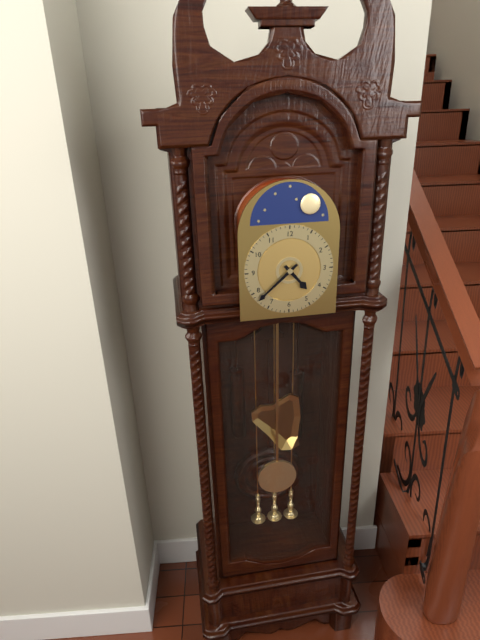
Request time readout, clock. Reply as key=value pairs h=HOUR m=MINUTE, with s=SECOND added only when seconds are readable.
h=4 m=38
